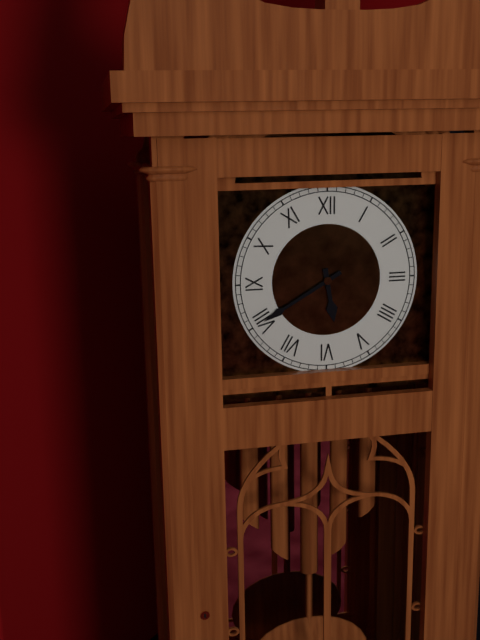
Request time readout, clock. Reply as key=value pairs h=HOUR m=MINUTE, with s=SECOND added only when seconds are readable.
h=5 m=40
